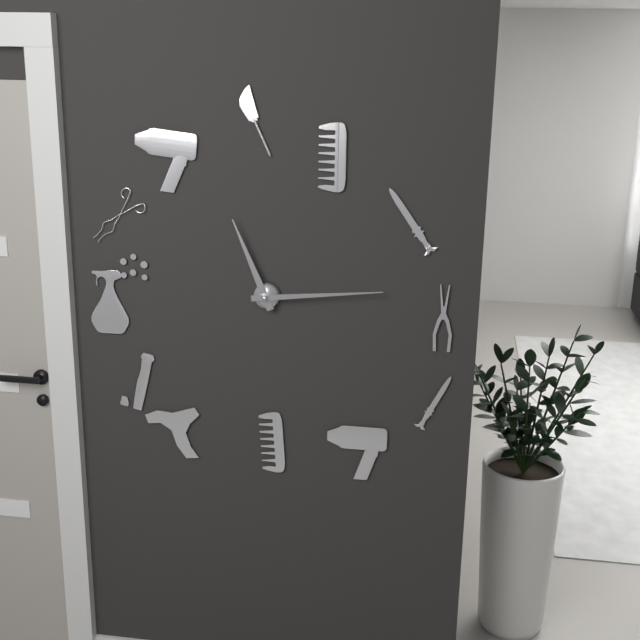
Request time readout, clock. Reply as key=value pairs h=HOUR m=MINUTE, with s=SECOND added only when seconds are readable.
h=11 m=14
